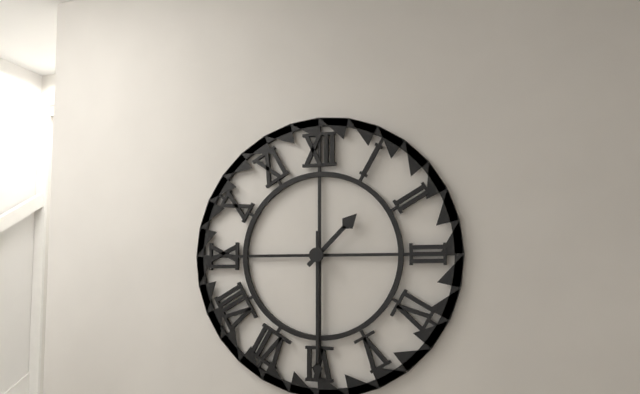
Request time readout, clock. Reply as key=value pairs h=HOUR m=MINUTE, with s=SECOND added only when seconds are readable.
h=1 m=30
